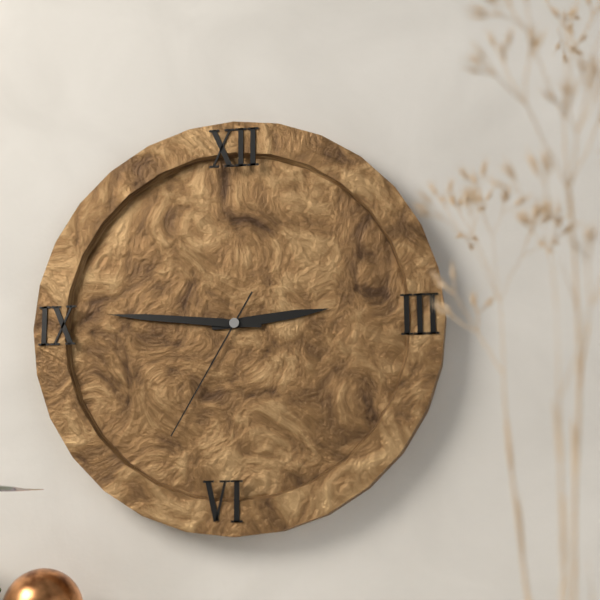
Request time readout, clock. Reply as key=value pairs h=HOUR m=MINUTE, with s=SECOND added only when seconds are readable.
h=2 m=46 s=35
